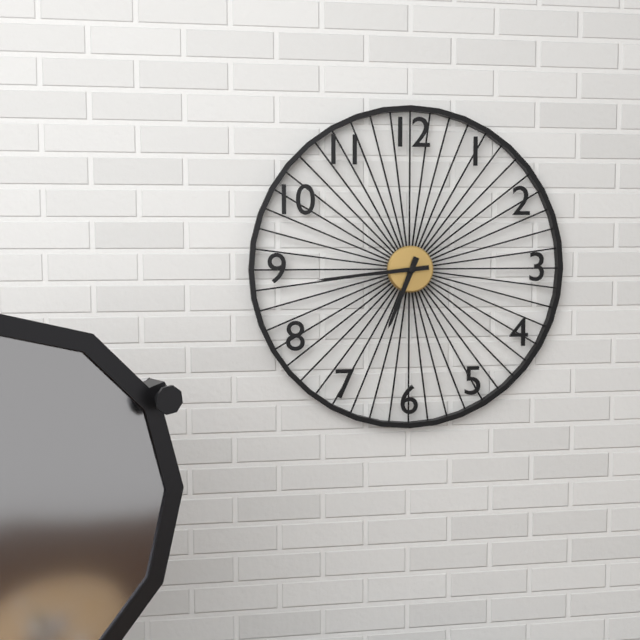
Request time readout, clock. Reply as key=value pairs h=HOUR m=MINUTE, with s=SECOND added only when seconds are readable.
h=6 m=44
